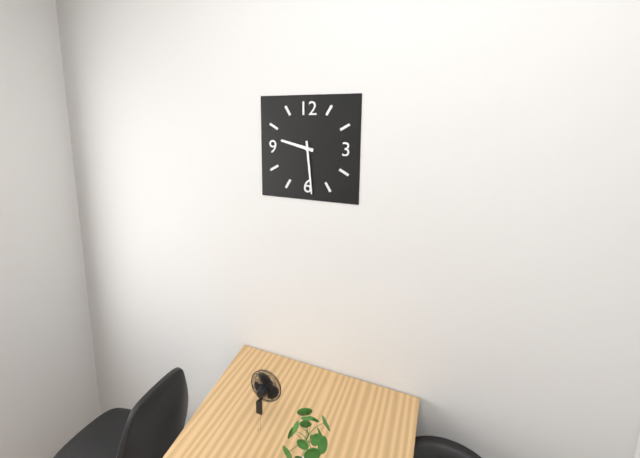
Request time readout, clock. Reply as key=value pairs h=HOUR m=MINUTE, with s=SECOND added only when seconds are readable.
h=9 m=29
